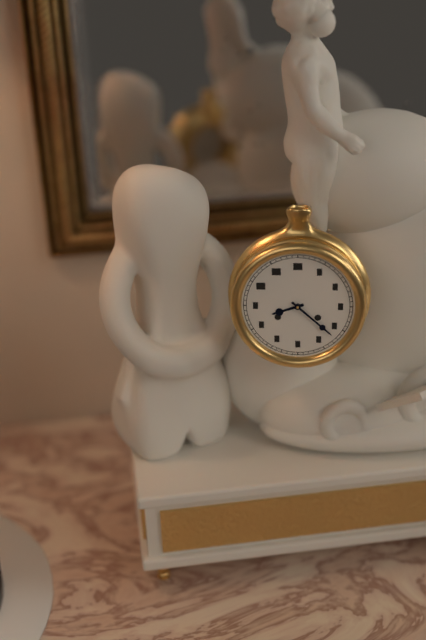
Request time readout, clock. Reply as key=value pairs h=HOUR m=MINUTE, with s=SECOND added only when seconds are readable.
h=8 m=22
